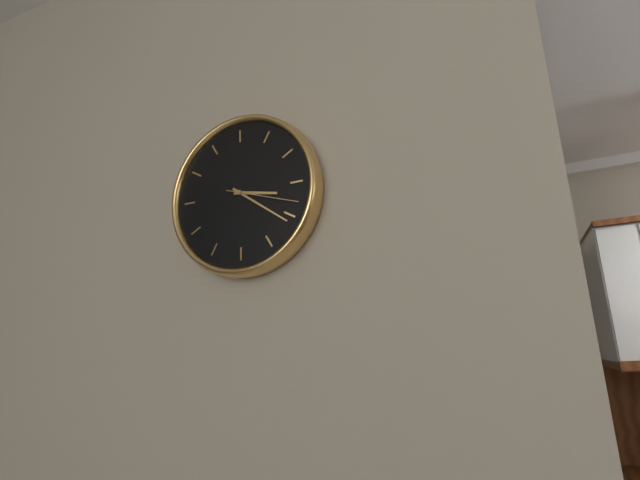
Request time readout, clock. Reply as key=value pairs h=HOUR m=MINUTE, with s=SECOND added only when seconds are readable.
h=3 m=21 s=18
